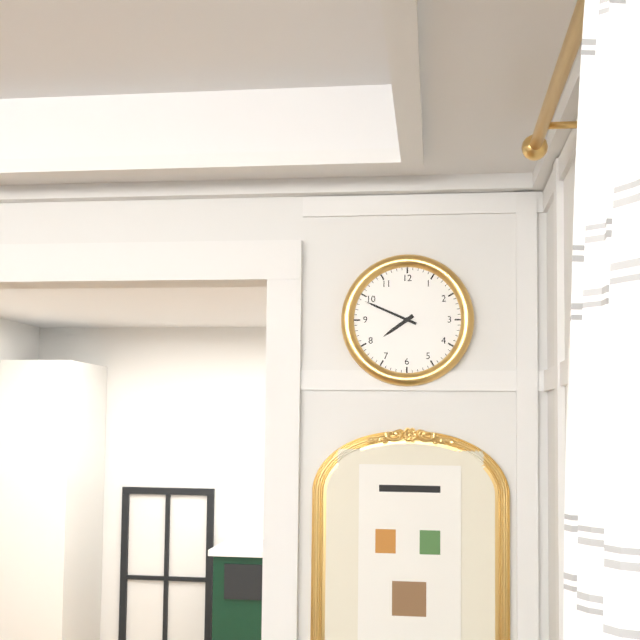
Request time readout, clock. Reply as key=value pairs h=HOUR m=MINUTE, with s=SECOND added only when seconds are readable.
h=7 m=49
